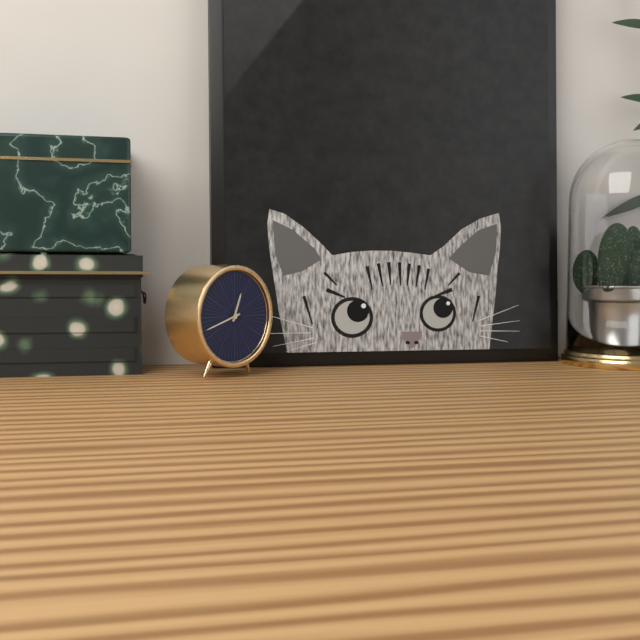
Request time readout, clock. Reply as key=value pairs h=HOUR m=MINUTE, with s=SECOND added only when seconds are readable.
h=12 m=42
